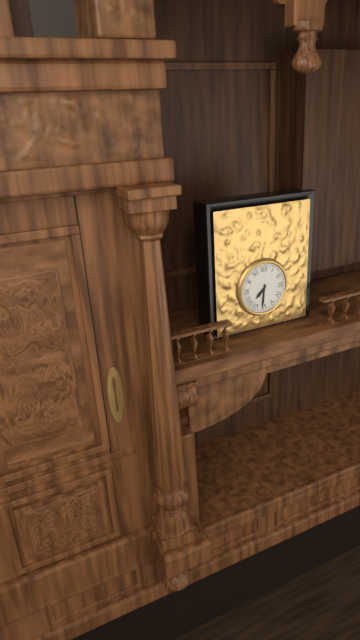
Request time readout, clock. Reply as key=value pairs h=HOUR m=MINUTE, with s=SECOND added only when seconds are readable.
h=7 m=31
